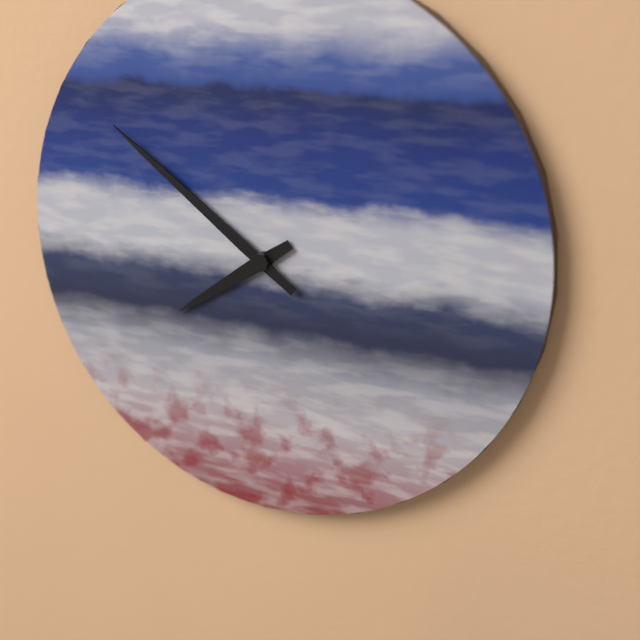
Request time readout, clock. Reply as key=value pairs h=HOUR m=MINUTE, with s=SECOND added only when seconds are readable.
h=7 m=51
